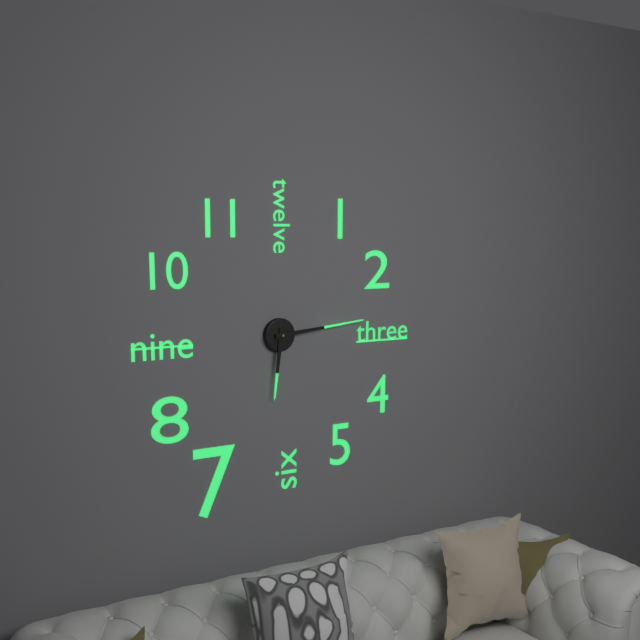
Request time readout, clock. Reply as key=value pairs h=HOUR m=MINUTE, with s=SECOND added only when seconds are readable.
h=6 m=14
